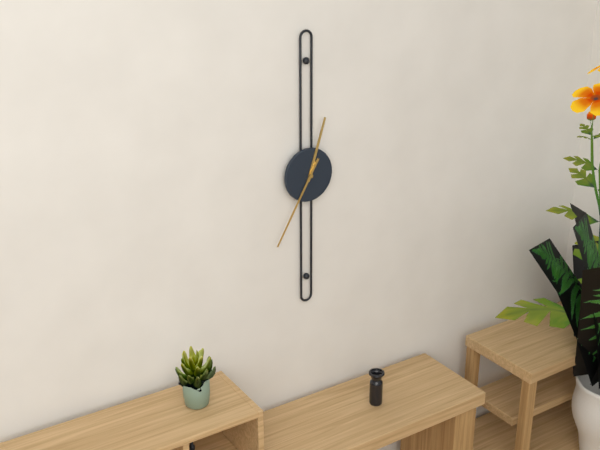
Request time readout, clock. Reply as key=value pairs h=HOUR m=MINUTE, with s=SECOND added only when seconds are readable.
h=12 m=35
